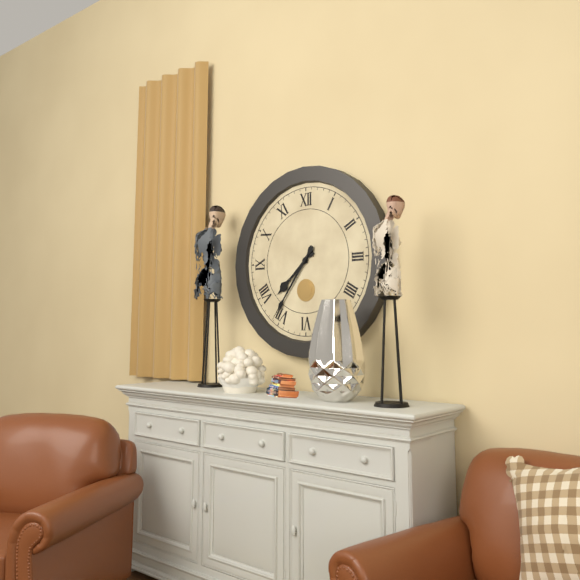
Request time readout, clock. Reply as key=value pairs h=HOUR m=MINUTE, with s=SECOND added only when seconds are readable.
h=7 m=36
